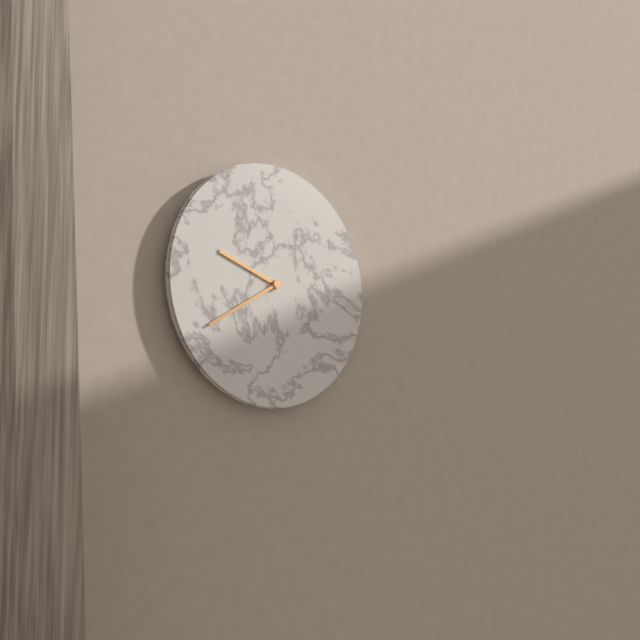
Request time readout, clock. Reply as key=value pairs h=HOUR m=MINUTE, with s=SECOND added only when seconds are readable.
h=9 m=40
